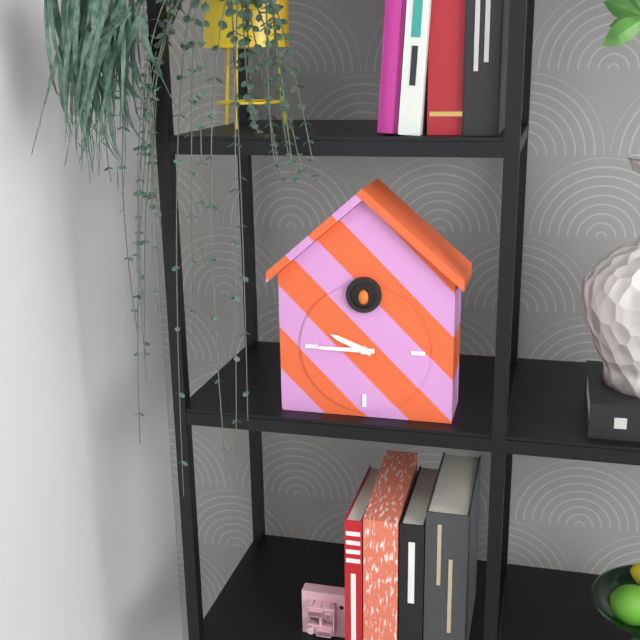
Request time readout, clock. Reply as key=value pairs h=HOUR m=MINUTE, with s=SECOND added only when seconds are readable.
h=9 m=45
